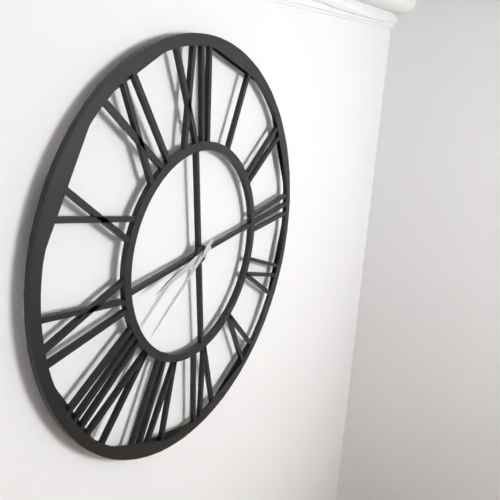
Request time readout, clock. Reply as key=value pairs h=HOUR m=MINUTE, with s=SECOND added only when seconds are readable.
h=8 m=40
